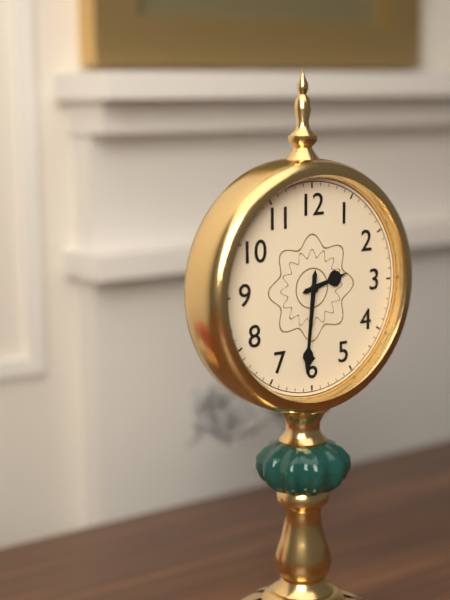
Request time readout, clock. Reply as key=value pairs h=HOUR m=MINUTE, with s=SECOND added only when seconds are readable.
h=2 m=31
